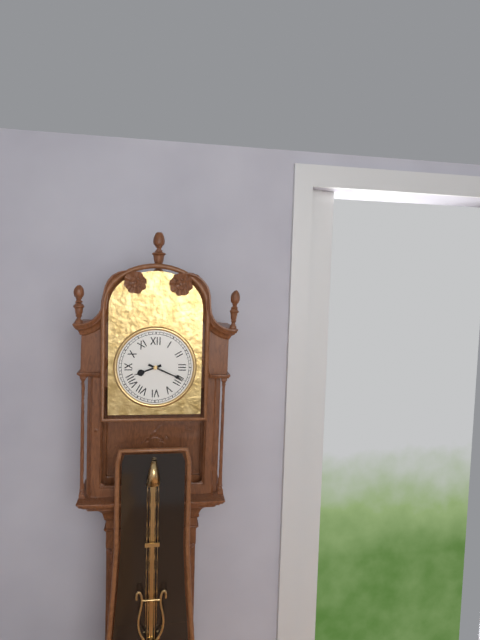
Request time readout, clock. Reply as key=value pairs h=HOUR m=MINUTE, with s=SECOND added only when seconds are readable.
h=8 m=19
